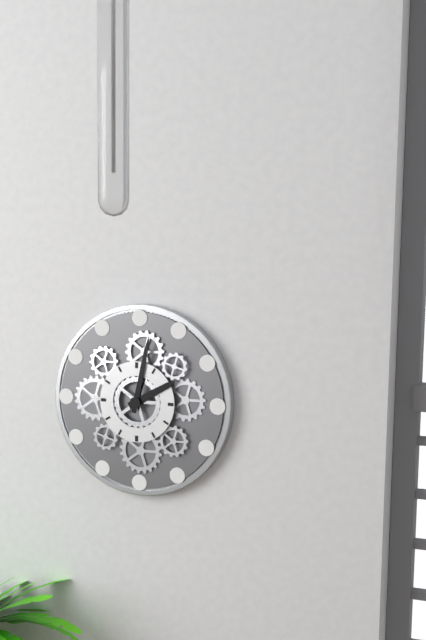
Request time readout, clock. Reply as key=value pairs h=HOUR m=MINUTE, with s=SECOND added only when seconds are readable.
h=2 m=2
